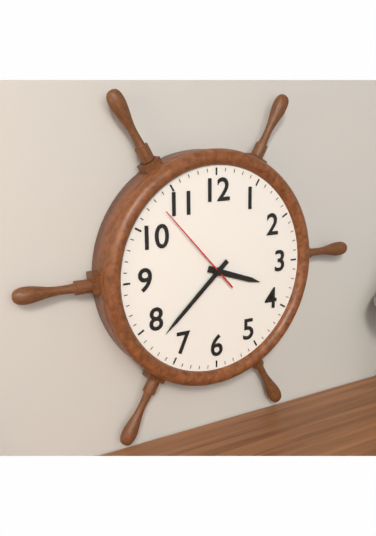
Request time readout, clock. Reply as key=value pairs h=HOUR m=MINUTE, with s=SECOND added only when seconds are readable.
h=3 m=38 s=53
